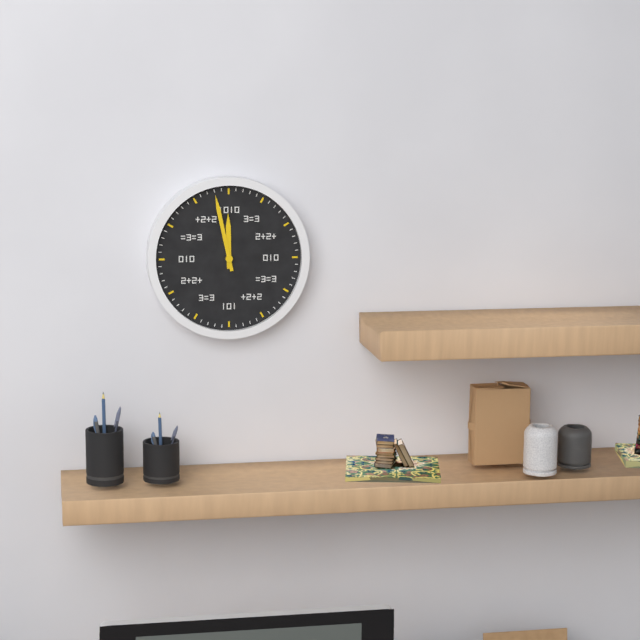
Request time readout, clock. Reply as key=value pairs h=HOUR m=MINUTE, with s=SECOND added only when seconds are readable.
h=11 m=58
